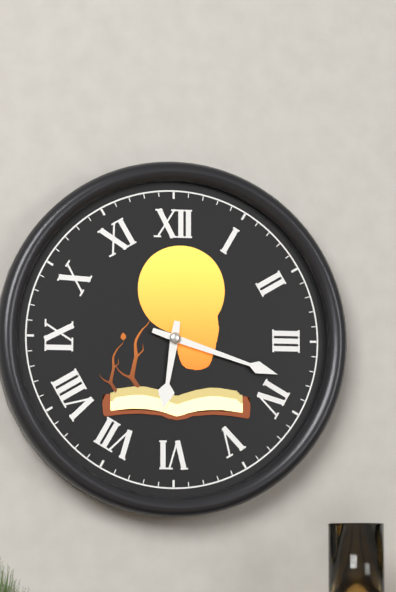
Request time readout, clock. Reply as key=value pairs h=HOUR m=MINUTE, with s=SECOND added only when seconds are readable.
h=6 m=18
